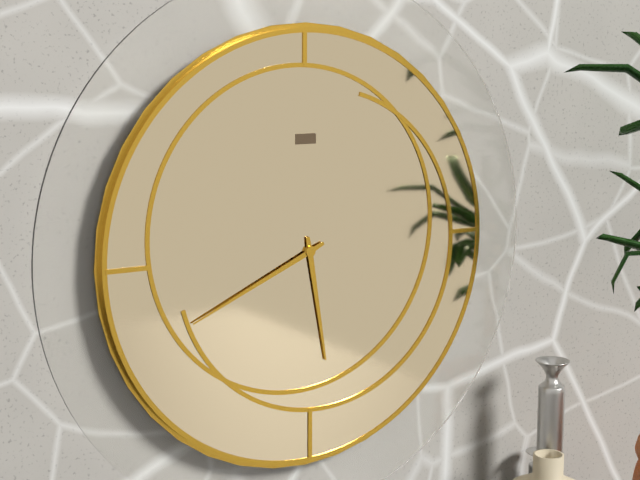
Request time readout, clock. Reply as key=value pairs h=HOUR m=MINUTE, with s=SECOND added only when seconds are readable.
h=5 m=41
